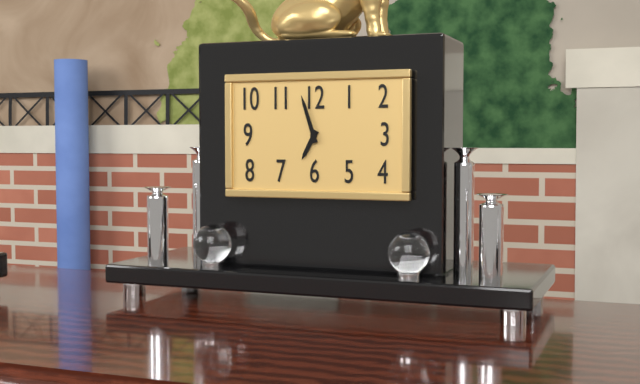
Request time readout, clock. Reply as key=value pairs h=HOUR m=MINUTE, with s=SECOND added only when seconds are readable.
h=6 m=57
